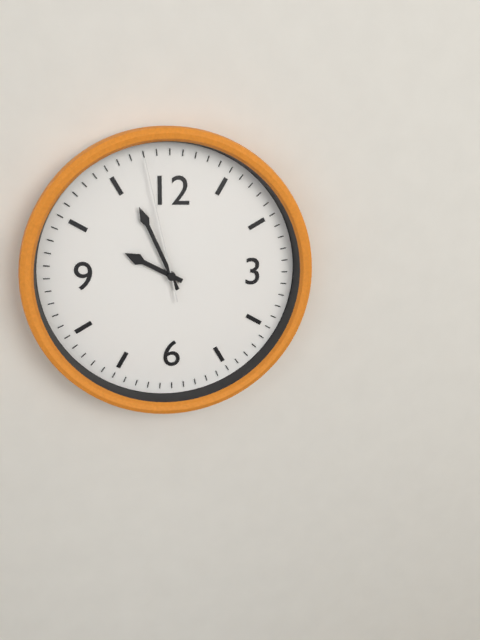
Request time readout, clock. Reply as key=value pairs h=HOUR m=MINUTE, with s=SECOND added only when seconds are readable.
h=9 m=56 s=58
